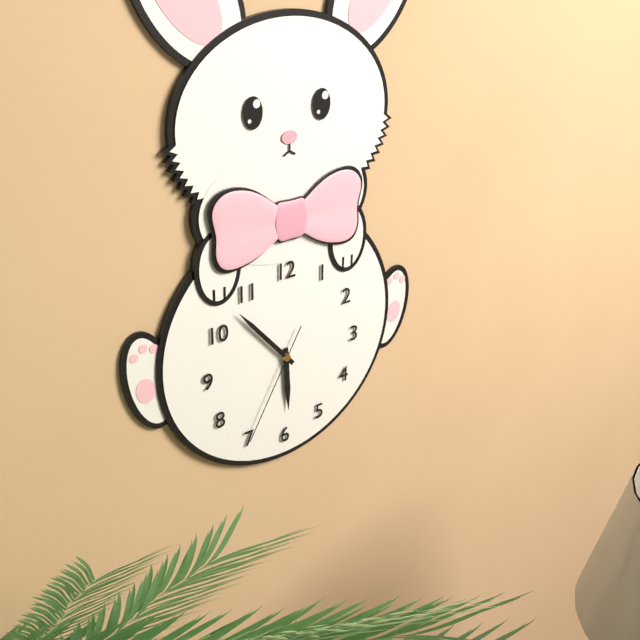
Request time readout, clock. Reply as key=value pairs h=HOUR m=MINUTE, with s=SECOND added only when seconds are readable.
h=5 m=53 s=35
